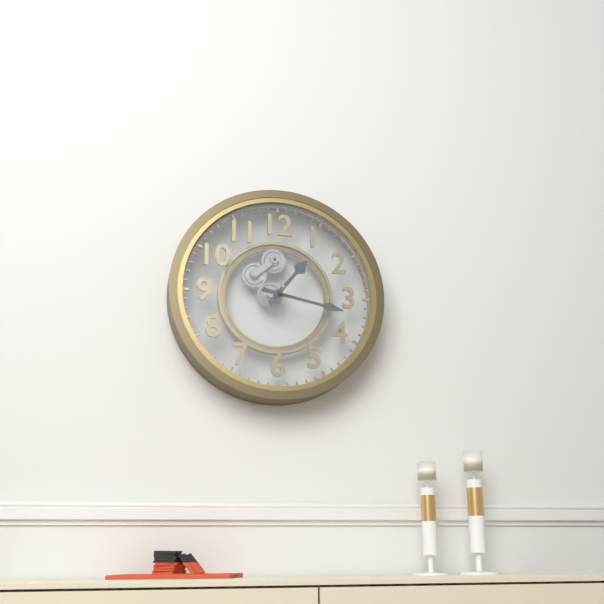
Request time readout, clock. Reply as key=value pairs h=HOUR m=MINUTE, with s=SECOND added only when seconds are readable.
h=1 m=17
